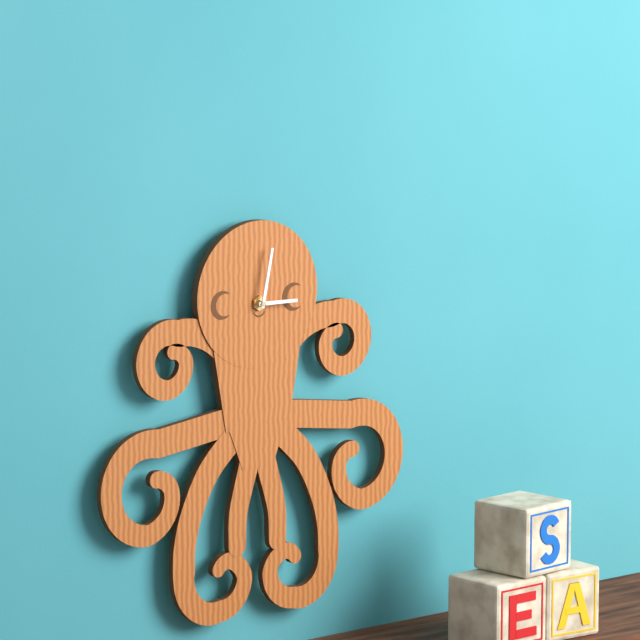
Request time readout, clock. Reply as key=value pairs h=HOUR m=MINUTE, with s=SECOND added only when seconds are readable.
h=3 m=2
